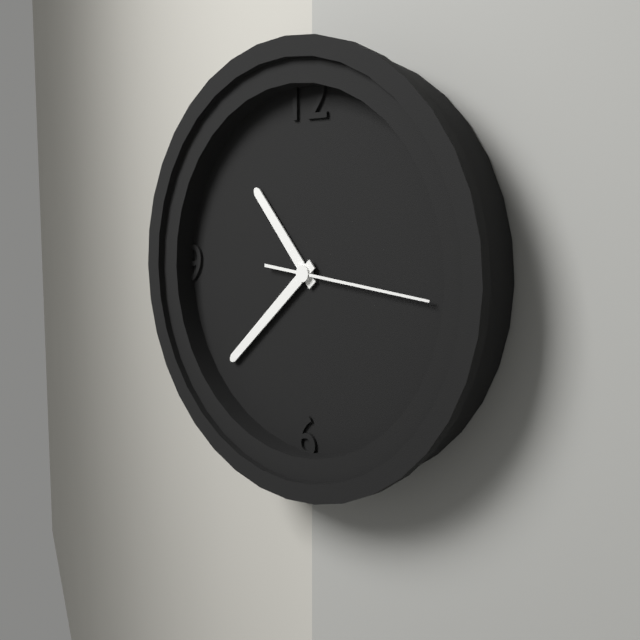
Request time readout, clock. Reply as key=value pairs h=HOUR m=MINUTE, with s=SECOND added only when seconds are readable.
h=10 m=38 s=16
